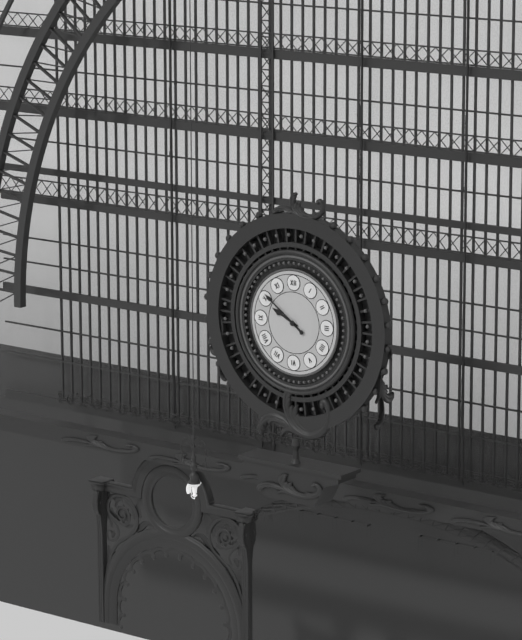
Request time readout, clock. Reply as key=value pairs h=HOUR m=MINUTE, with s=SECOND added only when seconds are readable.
h=9 m=51
